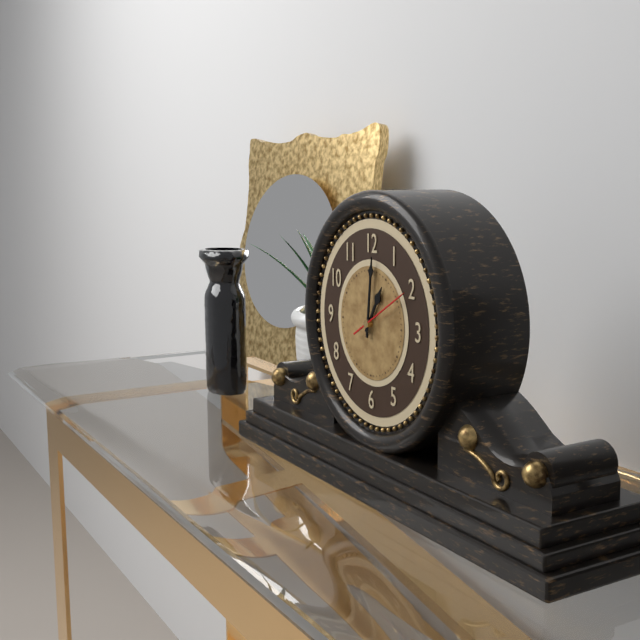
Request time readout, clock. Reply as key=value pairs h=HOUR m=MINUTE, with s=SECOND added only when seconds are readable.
h=1 m=1 s=10
